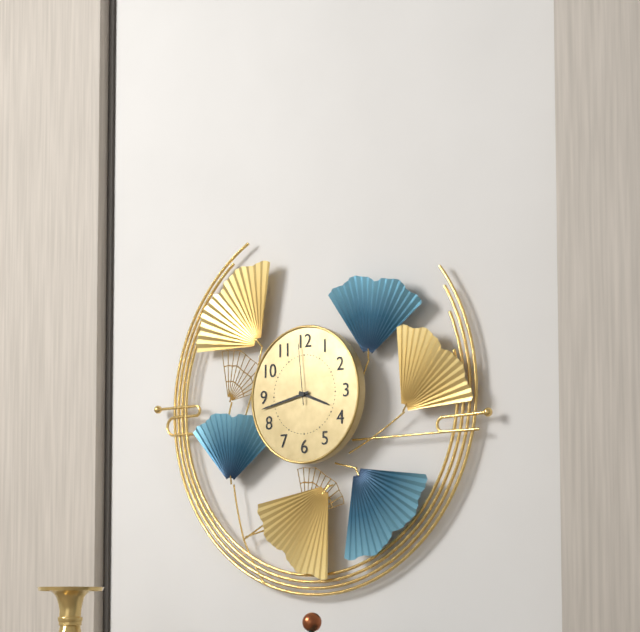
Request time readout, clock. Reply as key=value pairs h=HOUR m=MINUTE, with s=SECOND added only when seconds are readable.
h=3 m=43 s=59
